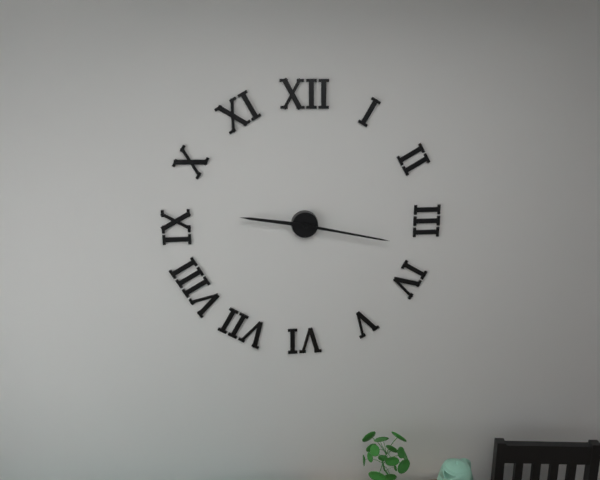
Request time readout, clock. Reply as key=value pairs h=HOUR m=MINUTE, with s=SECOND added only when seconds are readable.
h=9 m=17
